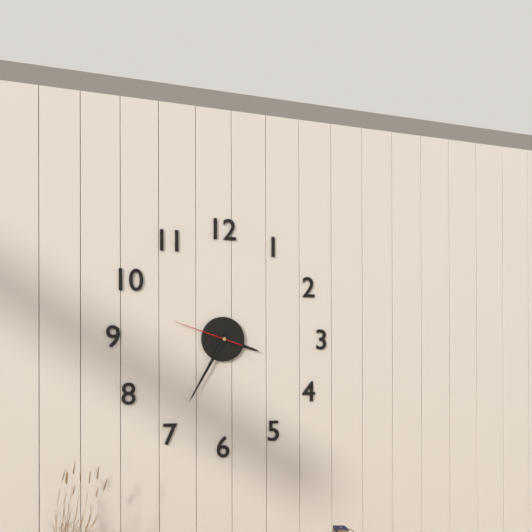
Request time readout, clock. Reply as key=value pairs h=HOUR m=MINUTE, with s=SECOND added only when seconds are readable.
h=3 m=35 s=48
